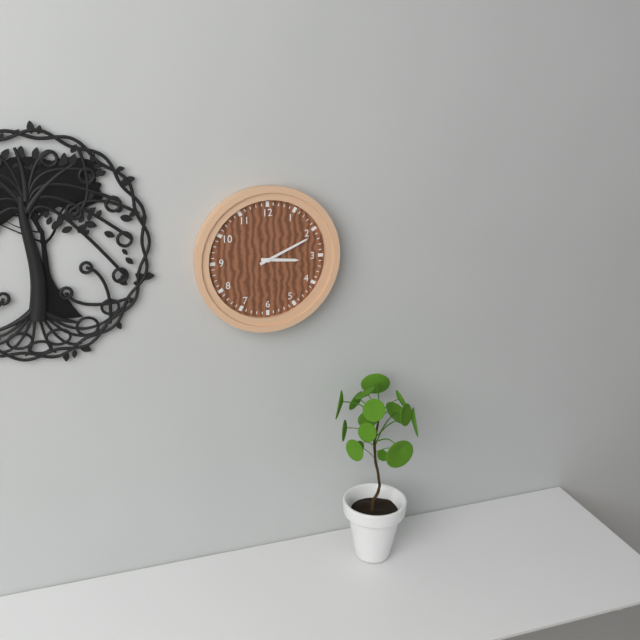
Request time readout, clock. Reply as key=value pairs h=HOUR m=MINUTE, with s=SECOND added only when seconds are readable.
h=3 m=11
